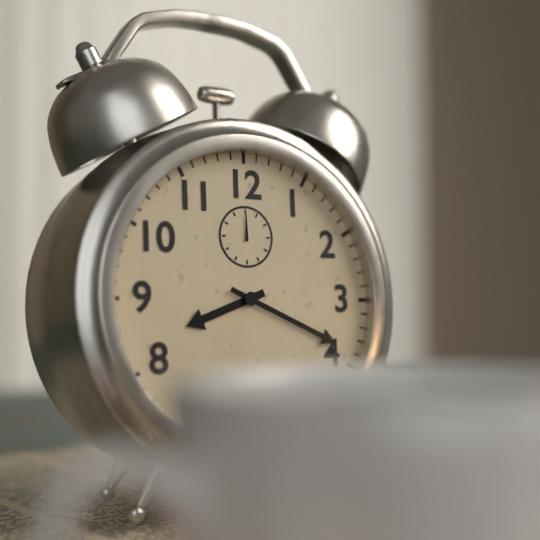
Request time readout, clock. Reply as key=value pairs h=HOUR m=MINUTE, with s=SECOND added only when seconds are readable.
h=8 m=19
